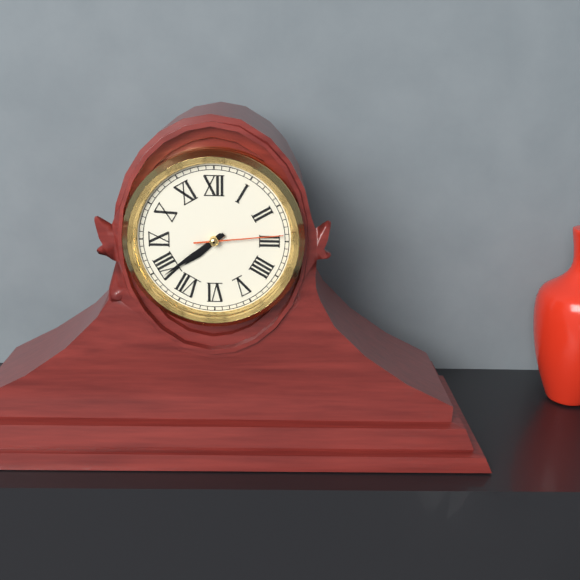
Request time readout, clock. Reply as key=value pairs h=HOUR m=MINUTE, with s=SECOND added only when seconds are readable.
h=7 m=39 s=14
